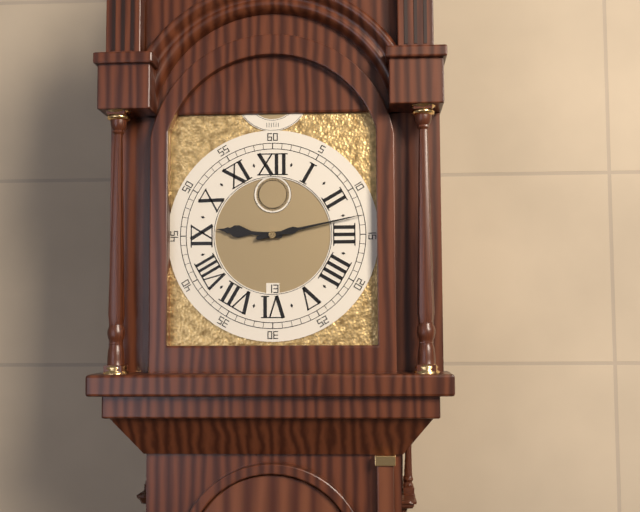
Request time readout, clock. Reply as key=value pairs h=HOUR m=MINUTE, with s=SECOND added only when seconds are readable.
h=9 m=13
